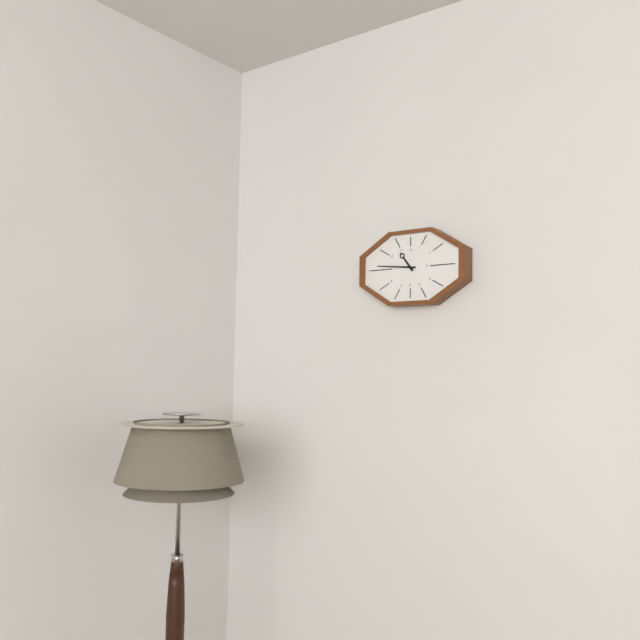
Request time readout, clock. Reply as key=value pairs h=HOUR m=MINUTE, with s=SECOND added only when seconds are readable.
h=10 m=46
